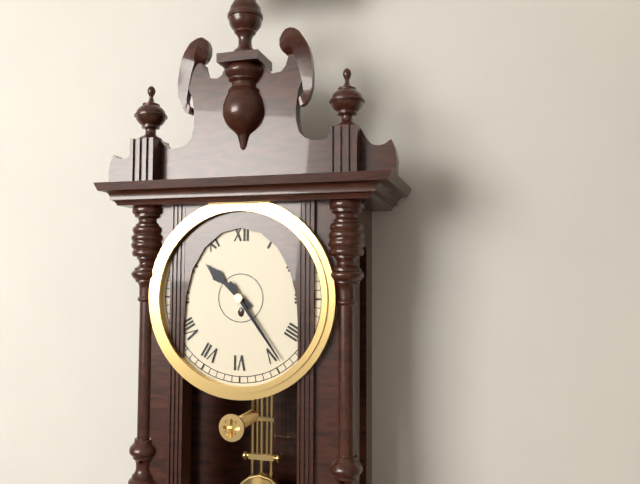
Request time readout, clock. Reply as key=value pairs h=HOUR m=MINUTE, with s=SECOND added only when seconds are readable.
h=10 m=24
